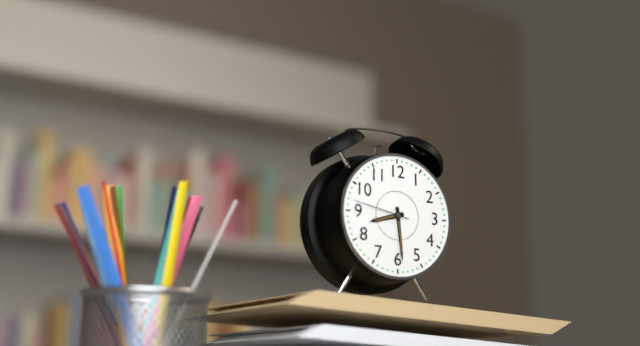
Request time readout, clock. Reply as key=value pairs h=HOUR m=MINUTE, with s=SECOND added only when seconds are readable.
h=8 m=29
